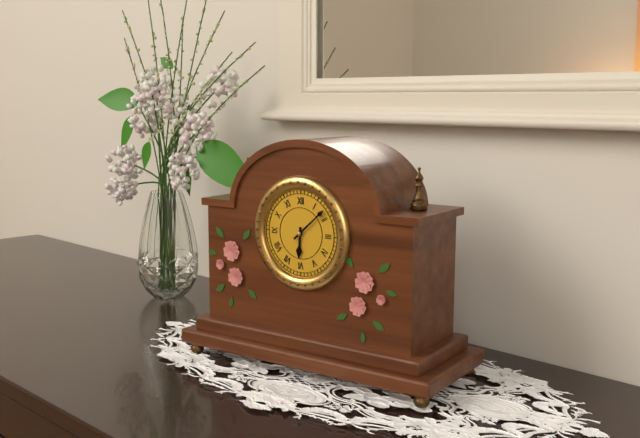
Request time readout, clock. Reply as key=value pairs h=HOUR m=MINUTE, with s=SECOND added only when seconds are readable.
h=6 m=8
